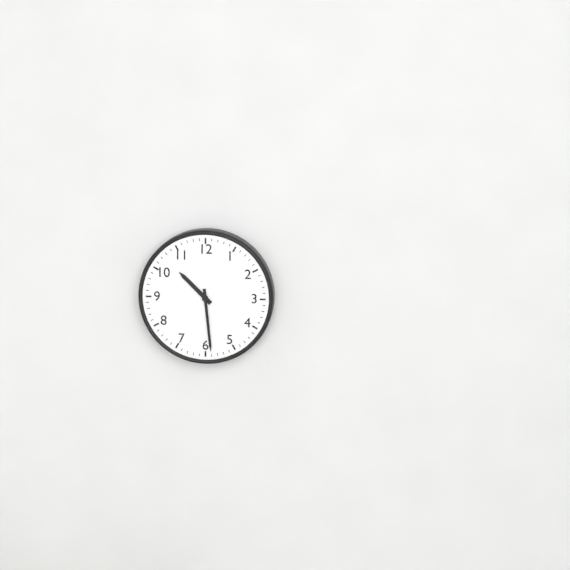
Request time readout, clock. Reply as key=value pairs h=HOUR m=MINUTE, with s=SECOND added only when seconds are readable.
h=10 m=29
